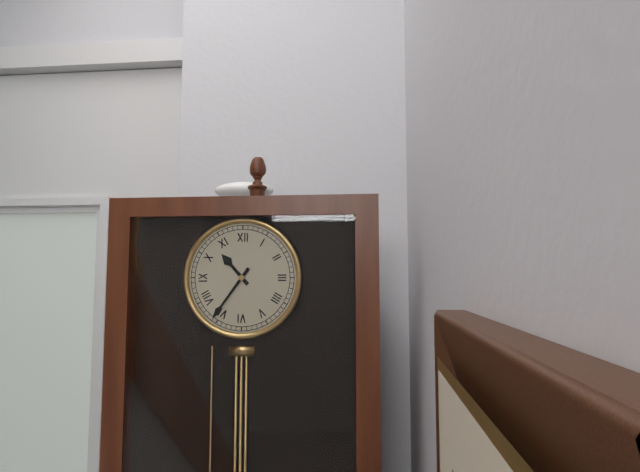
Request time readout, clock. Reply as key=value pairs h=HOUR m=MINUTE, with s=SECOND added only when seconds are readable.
h=10 m=36
